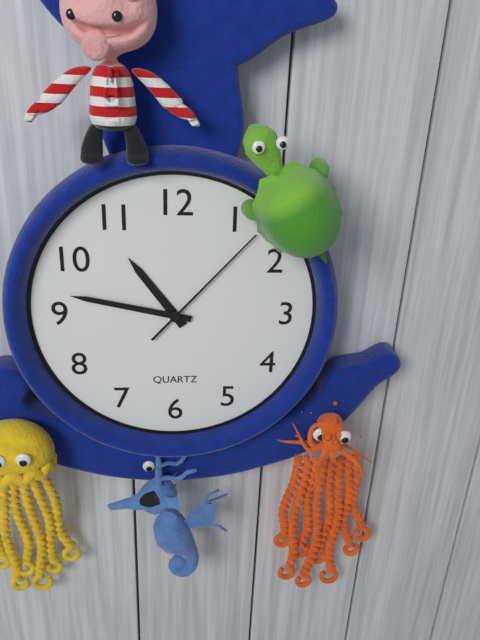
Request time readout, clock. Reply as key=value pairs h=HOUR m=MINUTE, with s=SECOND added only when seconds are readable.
h=10 m=47 s=7
